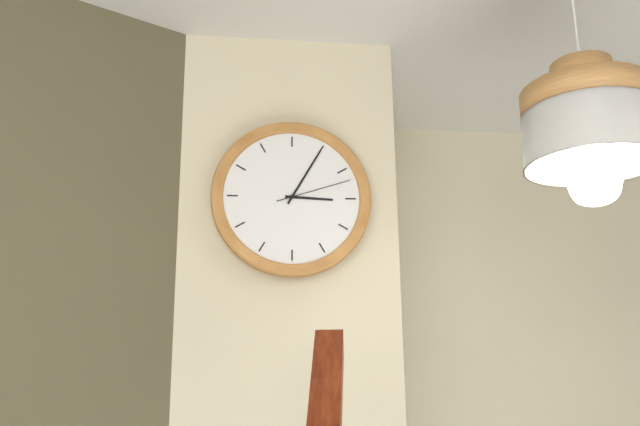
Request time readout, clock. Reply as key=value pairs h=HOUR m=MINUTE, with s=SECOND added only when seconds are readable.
h=3 m=5 s=12
